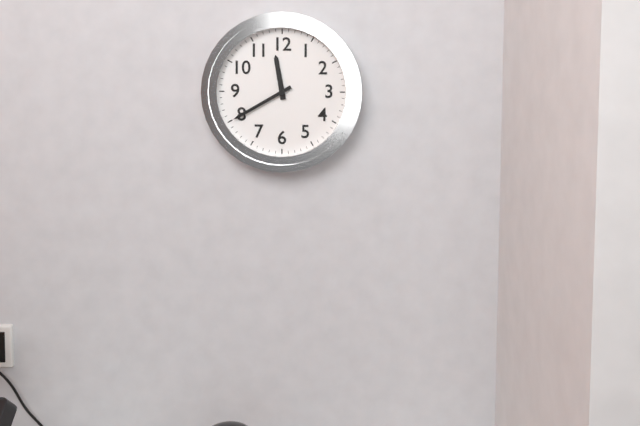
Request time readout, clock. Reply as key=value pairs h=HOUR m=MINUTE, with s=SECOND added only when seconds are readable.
h=11 m=40
